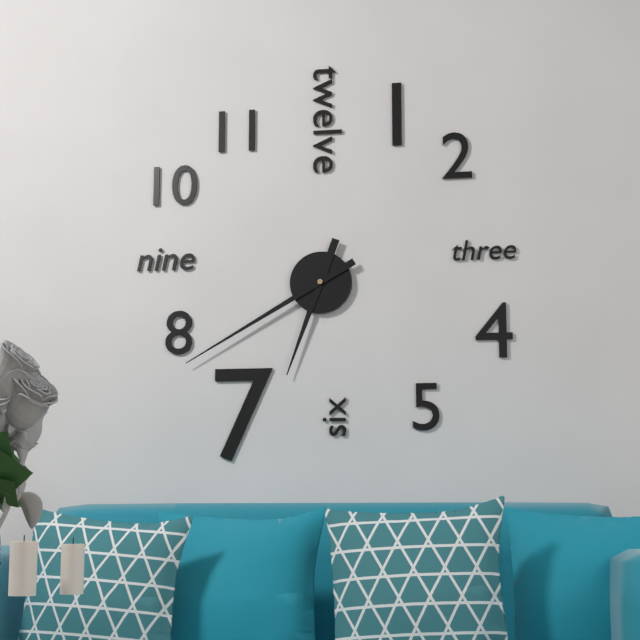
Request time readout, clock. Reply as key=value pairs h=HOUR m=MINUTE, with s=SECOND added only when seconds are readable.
h=6 m=40
